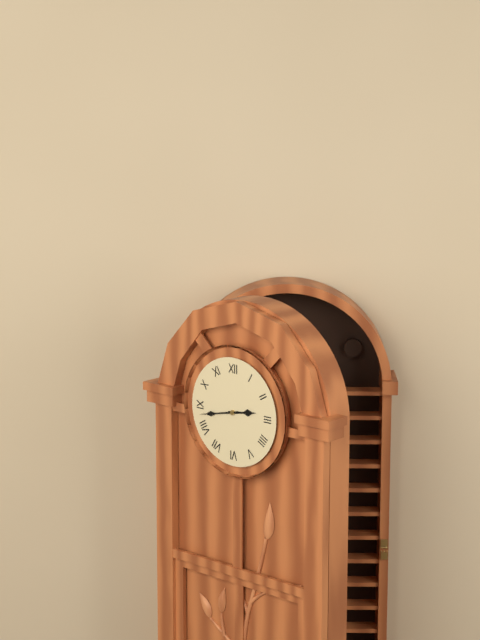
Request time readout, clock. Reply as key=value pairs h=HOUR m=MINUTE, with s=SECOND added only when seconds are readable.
h=2 m=43
